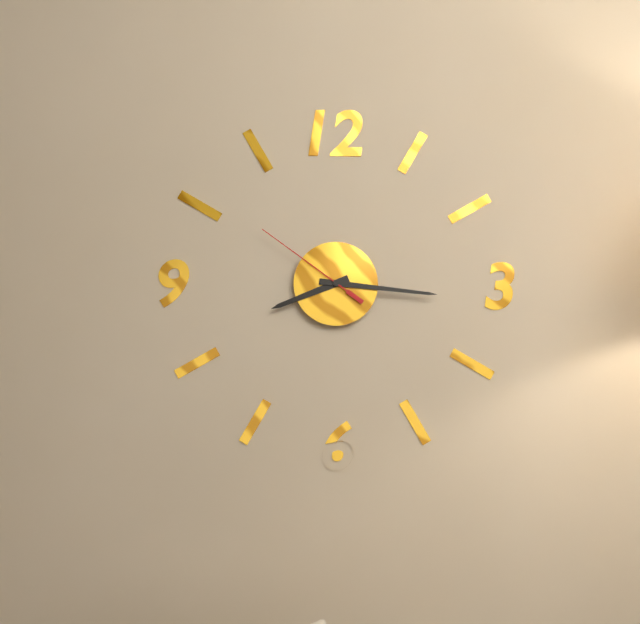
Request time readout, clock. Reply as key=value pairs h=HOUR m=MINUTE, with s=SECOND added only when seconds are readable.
h=8 m=16 s=51
